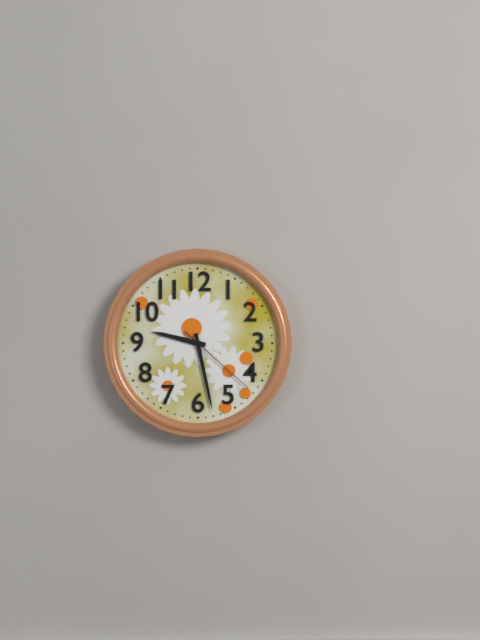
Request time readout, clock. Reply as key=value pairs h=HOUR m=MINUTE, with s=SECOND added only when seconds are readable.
h=9 m=28 s=22
